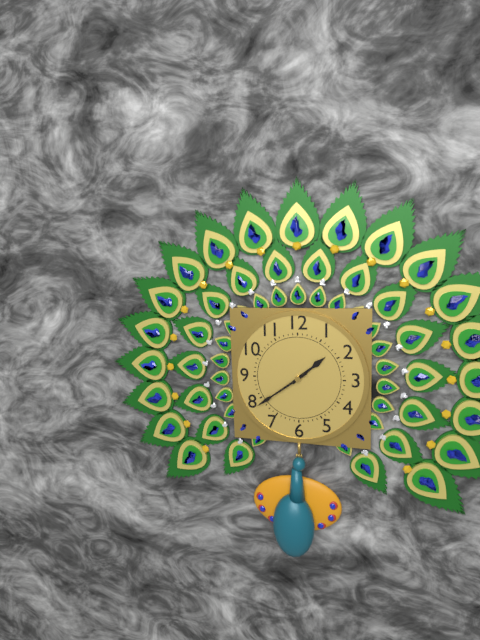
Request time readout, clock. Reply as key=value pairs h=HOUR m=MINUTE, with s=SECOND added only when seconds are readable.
h=1 m=39
